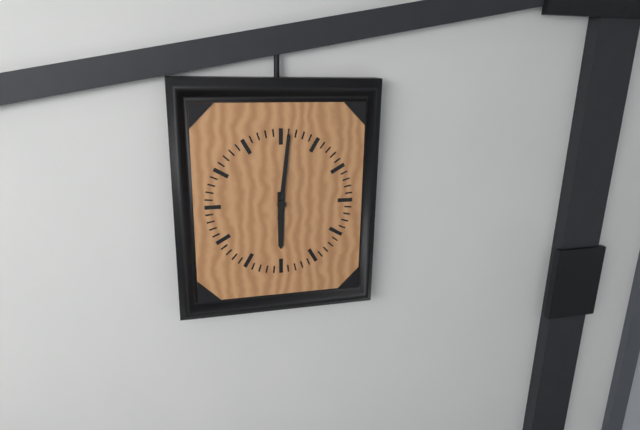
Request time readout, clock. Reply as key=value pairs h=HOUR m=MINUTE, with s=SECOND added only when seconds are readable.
h=6 m=1
